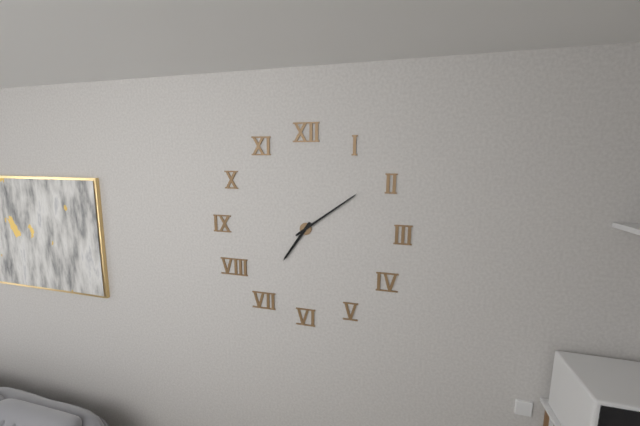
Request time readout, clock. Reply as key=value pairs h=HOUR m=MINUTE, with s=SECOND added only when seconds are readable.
h=7 m=9
